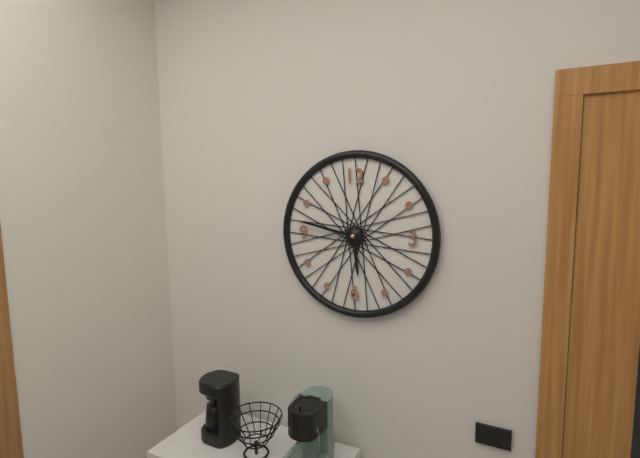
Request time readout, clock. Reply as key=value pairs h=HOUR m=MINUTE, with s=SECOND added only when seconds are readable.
h=5 m=47
